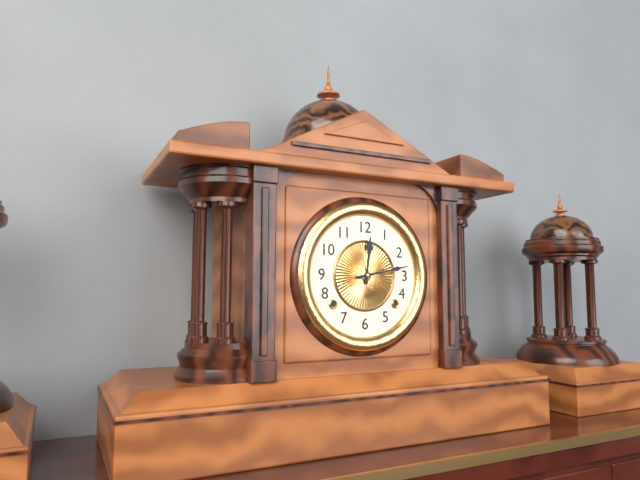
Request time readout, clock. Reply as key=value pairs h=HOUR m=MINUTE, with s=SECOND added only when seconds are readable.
h=12 m=13
